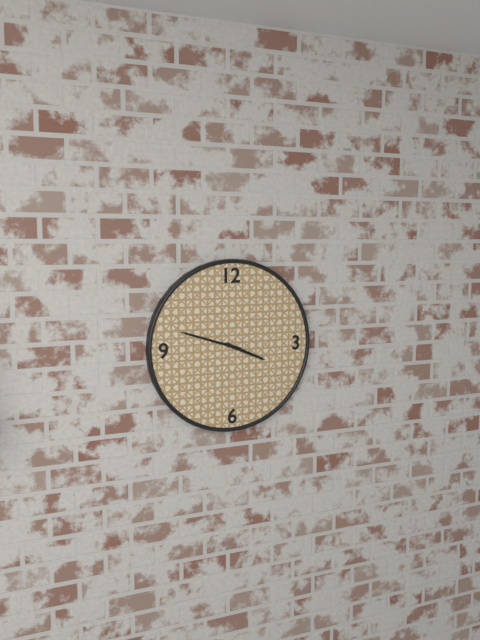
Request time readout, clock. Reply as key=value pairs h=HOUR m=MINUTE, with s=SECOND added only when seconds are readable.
h=3 m=48
